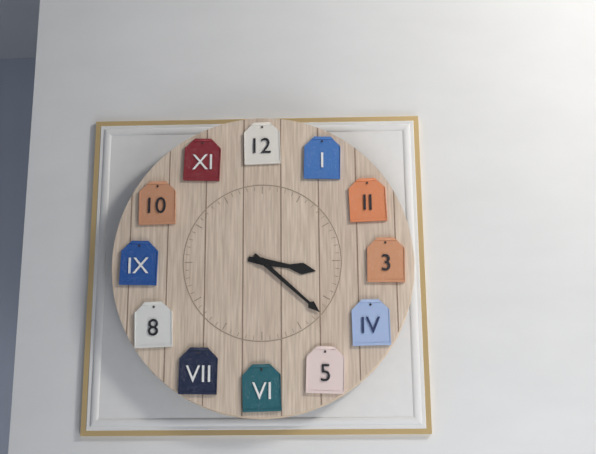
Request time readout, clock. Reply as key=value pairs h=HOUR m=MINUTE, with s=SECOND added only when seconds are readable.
h=3 m=22
